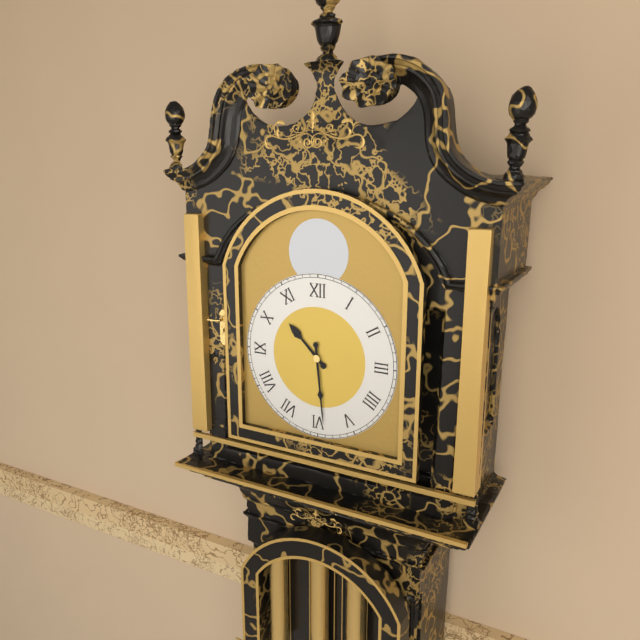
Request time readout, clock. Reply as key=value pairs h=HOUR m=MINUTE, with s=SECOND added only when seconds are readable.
h=10 m=29
